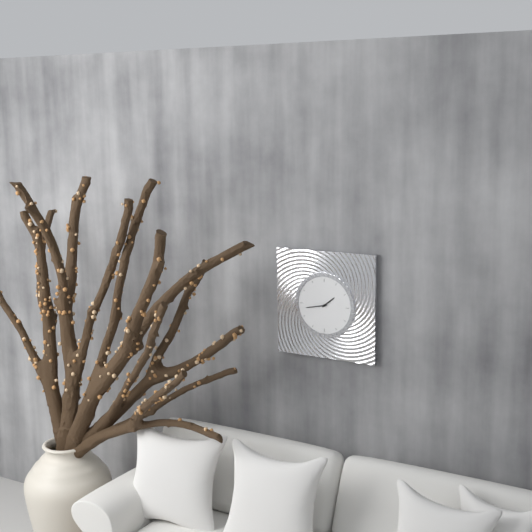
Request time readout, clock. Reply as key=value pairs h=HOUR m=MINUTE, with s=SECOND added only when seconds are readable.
h=1 m=43
